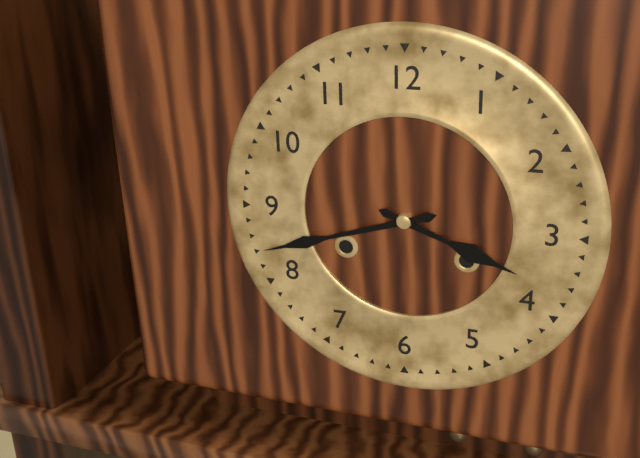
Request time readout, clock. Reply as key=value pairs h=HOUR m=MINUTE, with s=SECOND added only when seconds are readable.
h=3 m=42
